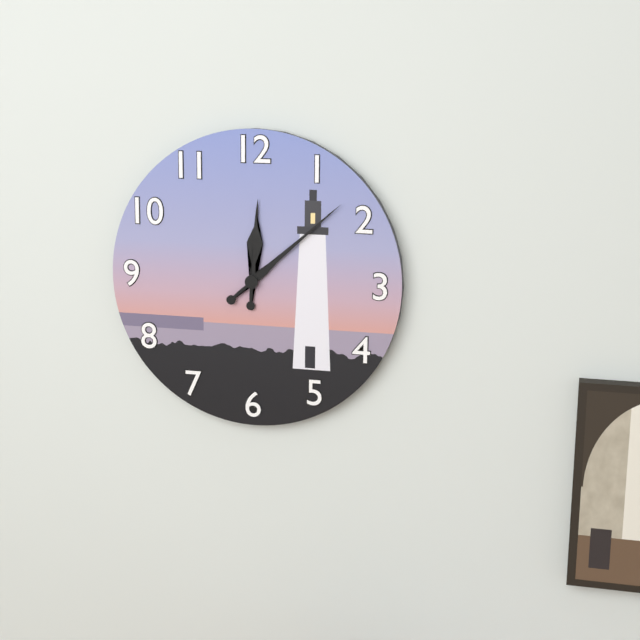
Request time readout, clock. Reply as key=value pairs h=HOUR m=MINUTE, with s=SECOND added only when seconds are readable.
h=12 m=8
